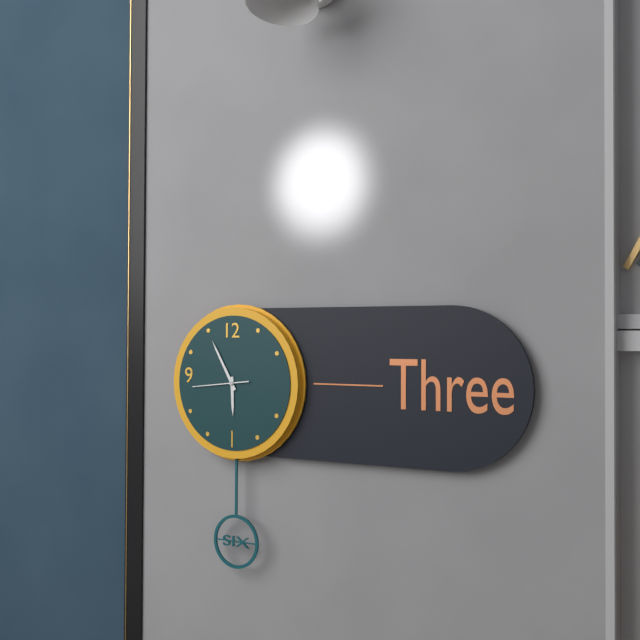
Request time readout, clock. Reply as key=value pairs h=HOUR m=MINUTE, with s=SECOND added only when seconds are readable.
h=5 m=55 s=44
